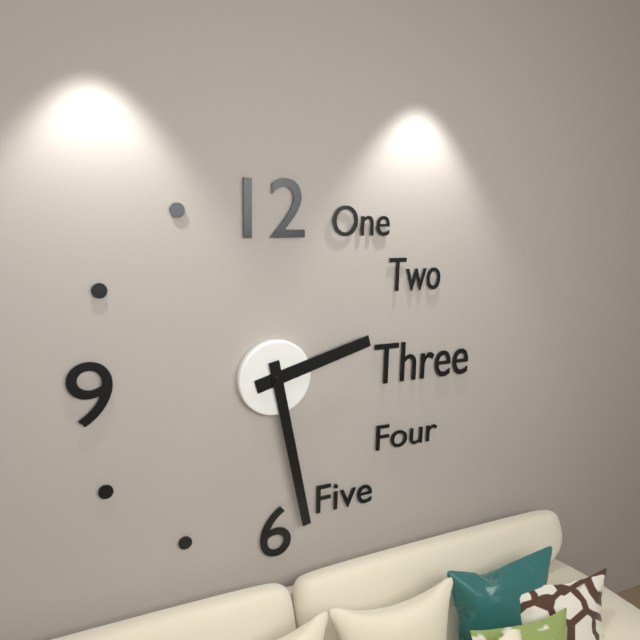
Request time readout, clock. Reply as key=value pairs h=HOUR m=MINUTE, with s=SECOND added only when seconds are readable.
h=2 m=28
